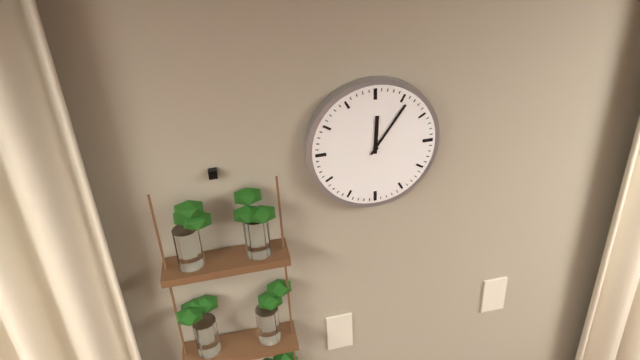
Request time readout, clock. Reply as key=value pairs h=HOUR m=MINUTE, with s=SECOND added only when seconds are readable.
h=12 m=6
